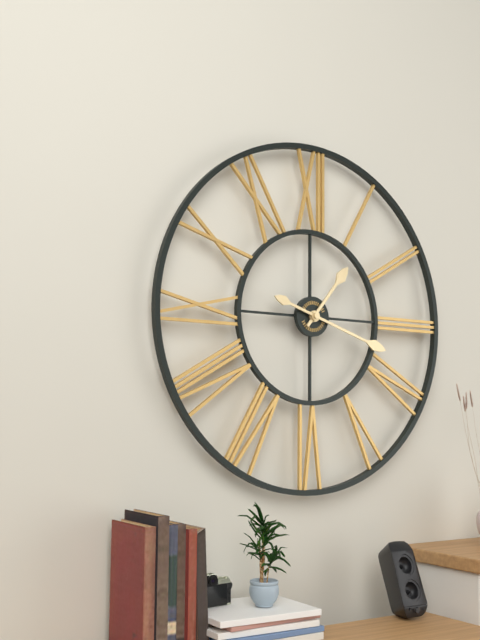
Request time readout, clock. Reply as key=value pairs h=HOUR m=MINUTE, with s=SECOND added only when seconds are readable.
h=1 m=18
